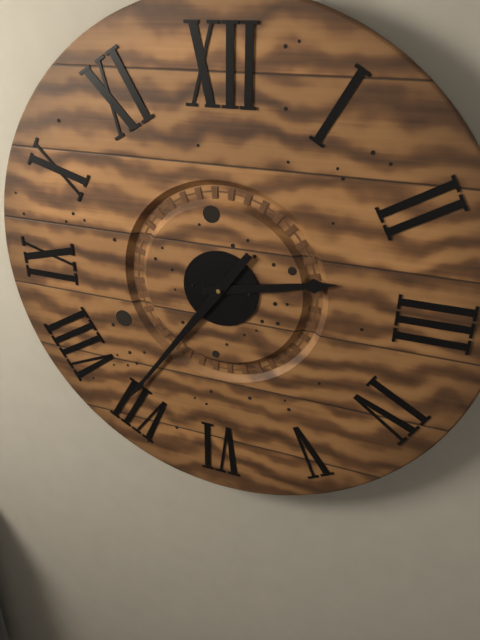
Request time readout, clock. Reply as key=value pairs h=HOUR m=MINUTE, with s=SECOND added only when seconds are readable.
h=2 m=36
